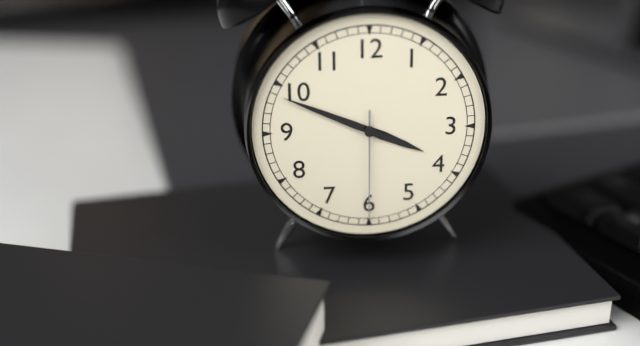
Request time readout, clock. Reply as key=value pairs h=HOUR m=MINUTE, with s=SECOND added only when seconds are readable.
h=3 m=49 s=30
